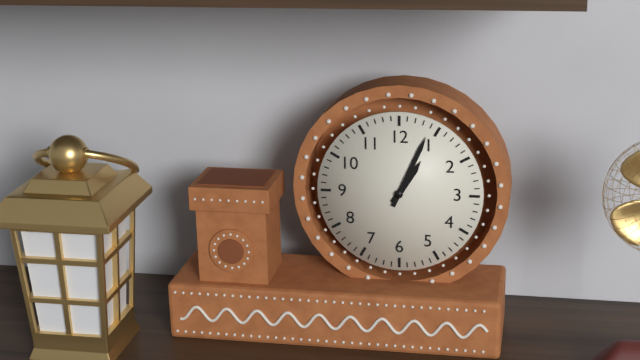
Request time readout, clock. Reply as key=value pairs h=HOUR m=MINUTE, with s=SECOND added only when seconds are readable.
h=1 m=4
